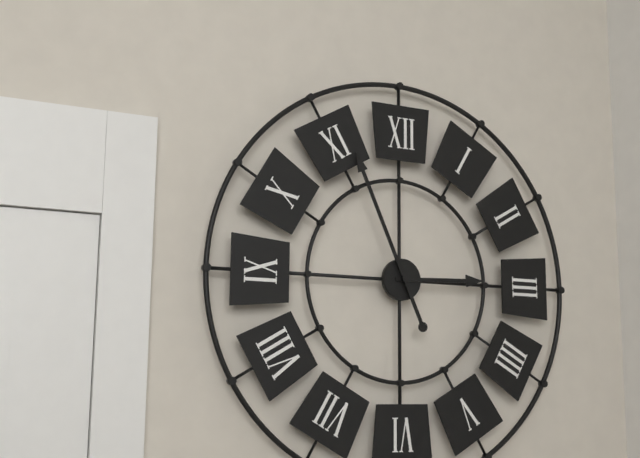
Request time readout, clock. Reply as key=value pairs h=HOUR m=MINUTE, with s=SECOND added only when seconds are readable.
h=2 m=56
